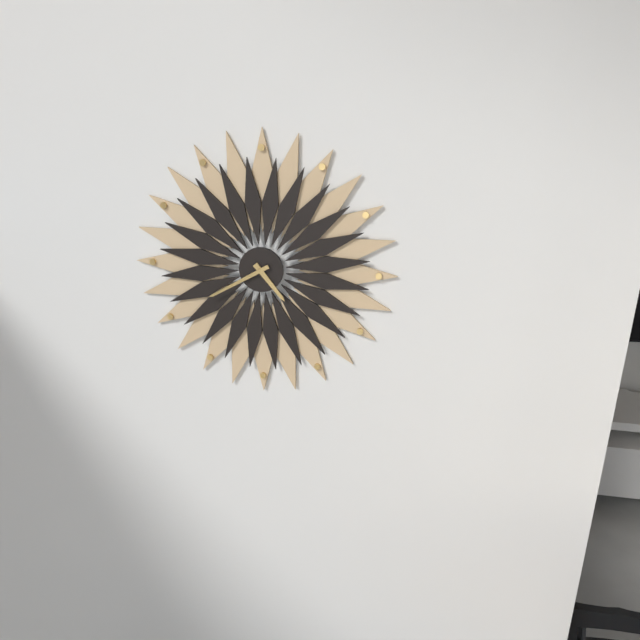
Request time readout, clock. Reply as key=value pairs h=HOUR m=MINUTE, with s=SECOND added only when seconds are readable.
h=4 m=40
